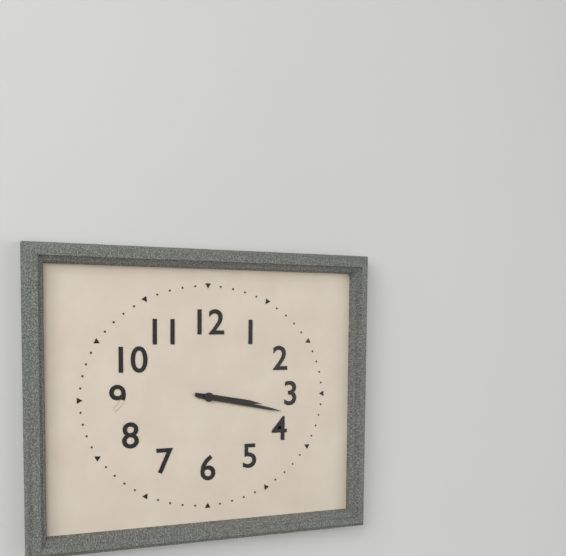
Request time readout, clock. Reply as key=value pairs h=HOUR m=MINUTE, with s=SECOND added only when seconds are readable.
h=3 m=17
